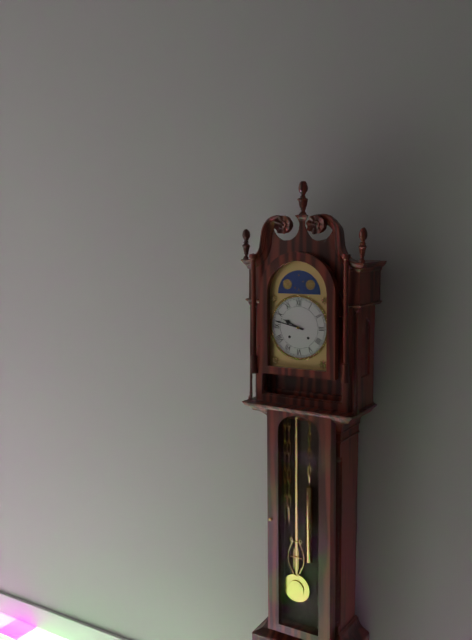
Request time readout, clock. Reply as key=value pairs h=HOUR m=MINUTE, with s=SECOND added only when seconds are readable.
h=9 m=47
